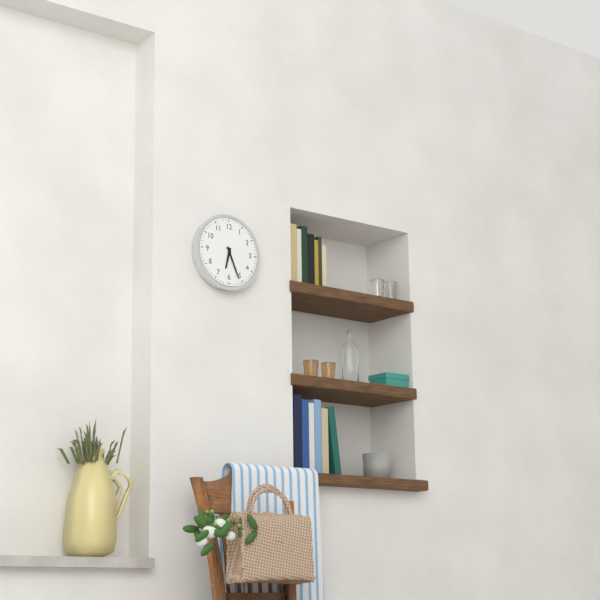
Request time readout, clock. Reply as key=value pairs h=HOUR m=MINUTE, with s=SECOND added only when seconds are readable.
h=6 m=26
